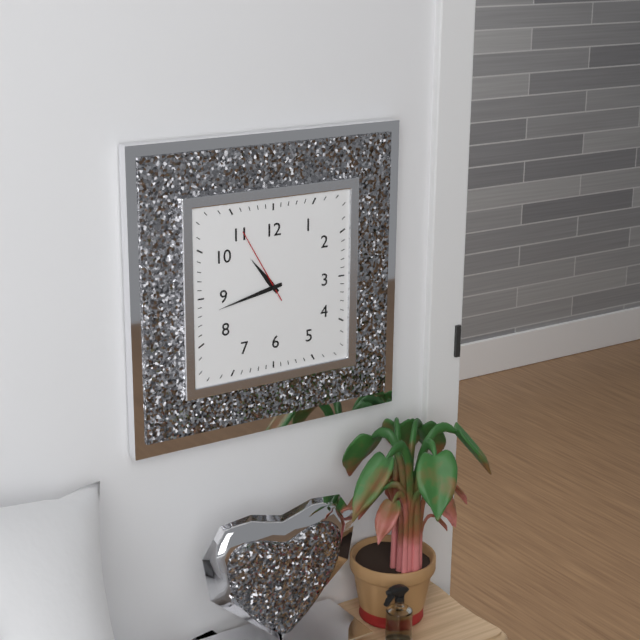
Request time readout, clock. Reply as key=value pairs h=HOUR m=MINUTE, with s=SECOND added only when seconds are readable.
h=10 m=43 s=55
